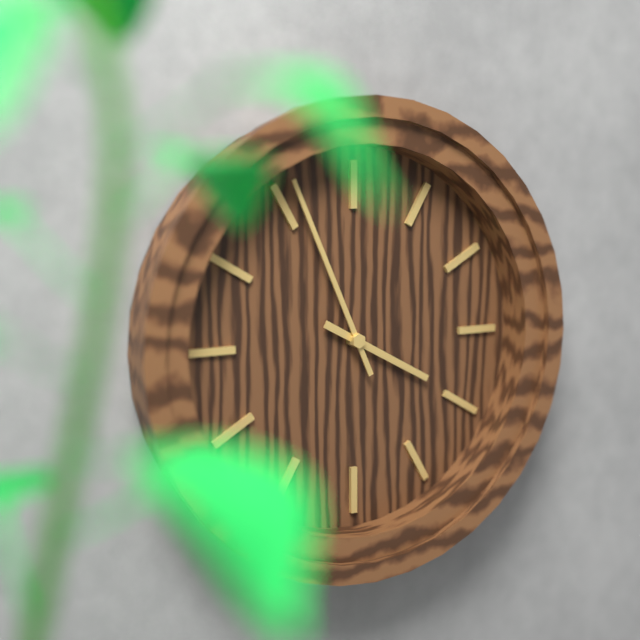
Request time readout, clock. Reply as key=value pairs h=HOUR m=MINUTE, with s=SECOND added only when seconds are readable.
h=3 m=56
